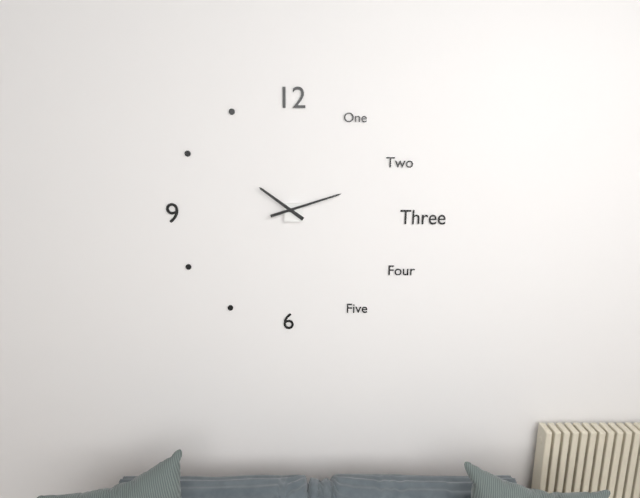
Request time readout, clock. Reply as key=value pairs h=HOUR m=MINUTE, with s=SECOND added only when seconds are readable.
h=10 m=12
